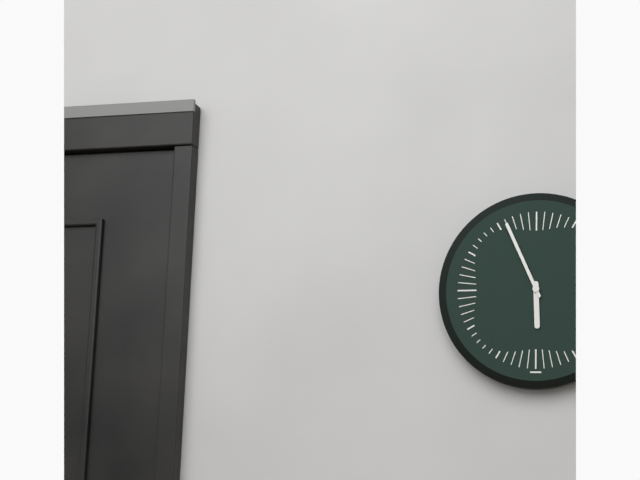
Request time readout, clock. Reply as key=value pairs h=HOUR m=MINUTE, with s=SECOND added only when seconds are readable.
h=5 m=56
